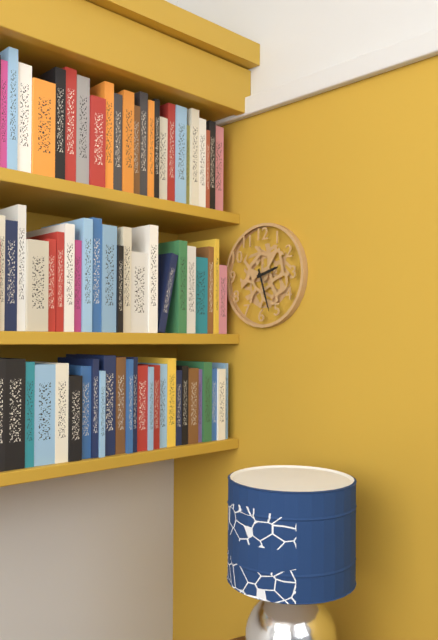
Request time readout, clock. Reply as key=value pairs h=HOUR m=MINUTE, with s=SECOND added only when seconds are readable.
h=2 m=27
